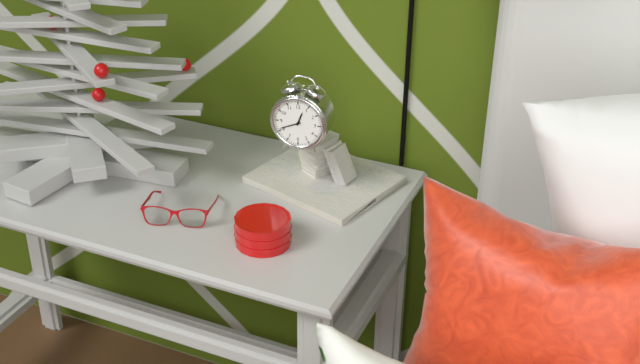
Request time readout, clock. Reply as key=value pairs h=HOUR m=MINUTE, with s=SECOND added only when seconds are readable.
h=12 m=41
